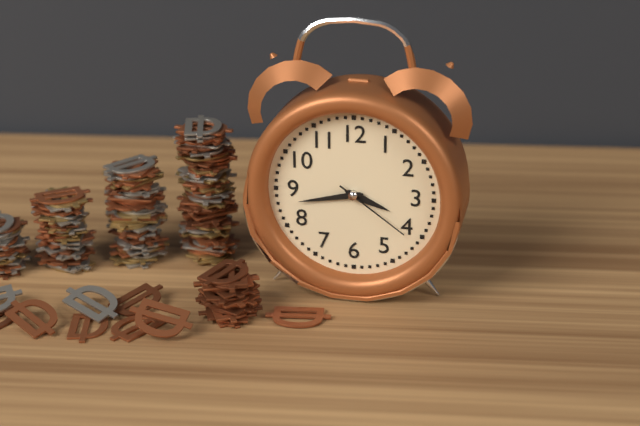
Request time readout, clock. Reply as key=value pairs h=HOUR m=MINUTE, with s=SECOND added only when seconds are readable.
h=3 m=43 s=21
